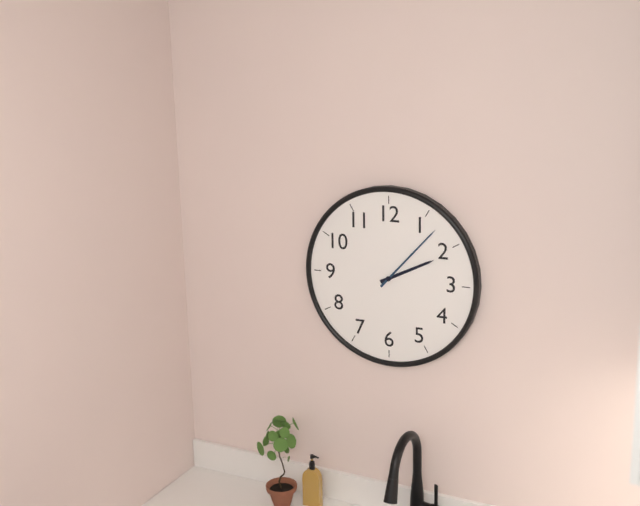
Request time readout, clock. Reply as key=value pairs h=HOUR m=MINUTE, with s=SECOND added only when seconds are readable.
h=2 m=7
